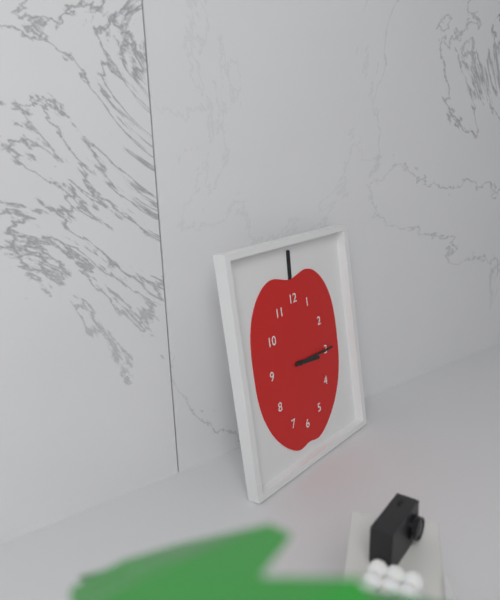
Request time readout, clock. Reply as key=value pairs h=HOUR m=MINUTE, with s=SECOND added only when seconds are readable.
h=3 m=15
